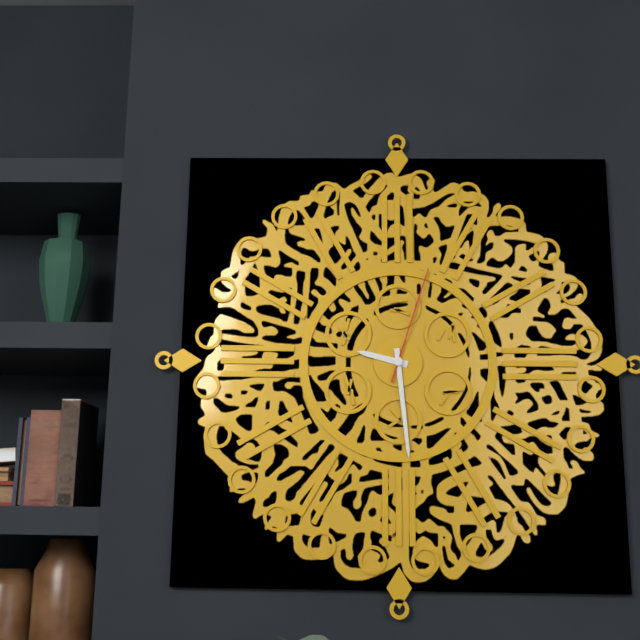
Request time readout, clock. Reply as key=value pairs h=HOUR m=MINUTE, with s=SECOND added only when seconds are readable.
h=9 m=29 s=3
